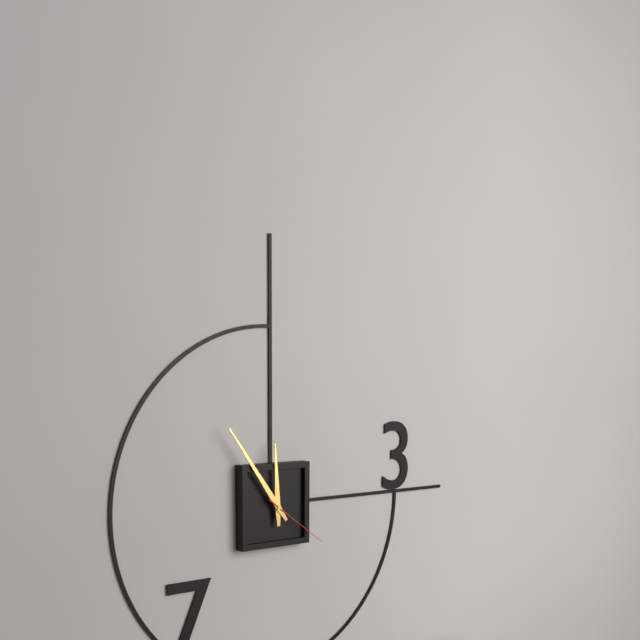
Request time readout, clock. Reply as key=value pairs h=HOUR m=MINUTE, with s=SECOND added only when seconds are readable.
h=11 m=54 s=21
